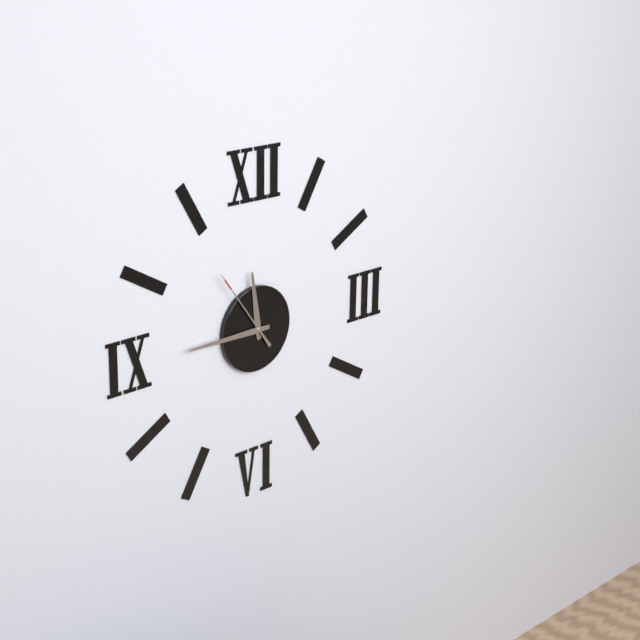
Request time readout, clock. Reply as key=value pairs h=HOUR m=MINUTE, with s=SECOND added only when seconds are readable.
h=11 m=45 s=54
